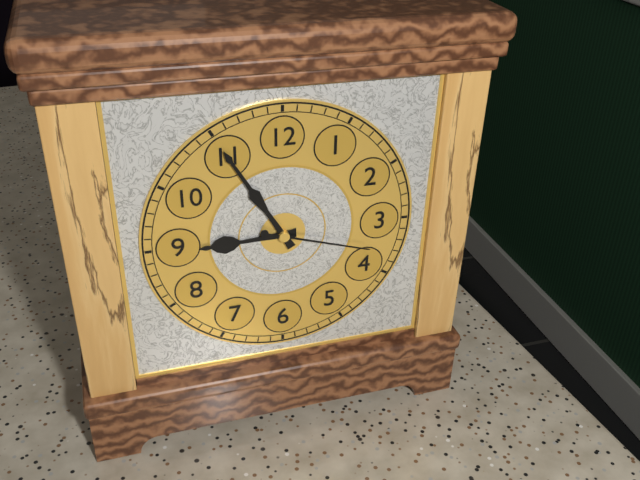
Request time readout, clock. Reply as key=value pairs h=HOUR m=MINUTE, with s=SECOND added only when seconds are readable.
h=8 m=55 s=18
